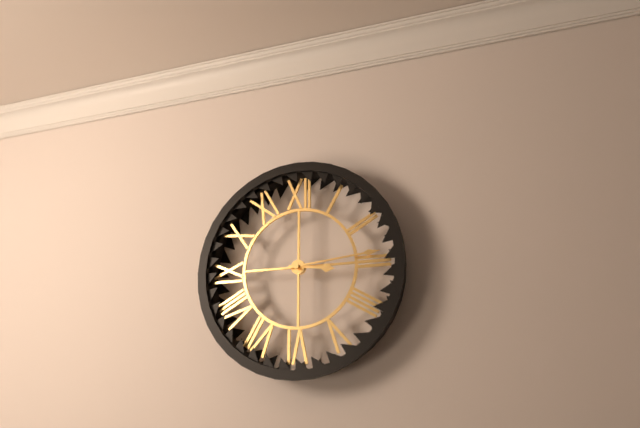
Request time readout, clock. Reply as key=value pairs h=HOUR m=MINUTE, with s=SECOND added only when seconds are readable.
h=3 m=14
